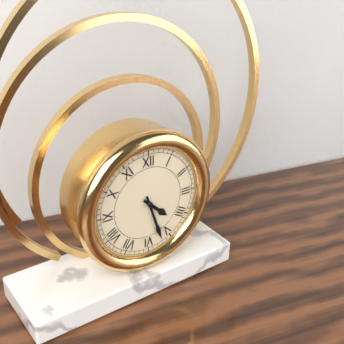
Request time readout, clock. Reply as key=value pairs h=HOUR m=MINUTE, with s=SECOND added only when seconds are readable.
h=4 m=27
